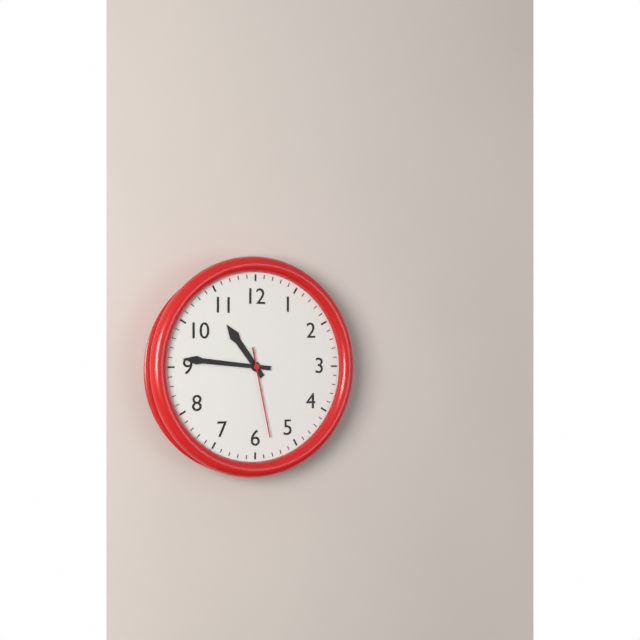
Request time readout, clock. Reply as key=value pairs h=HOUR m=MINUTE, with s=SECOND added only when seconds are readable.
h=10 m=46 s=28
